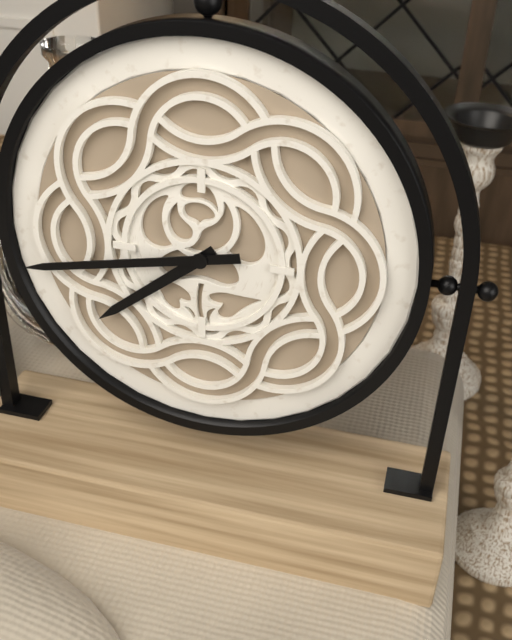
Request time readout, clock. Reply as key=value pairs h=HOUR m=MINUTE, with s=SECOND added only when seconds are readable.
h=7 m=43
